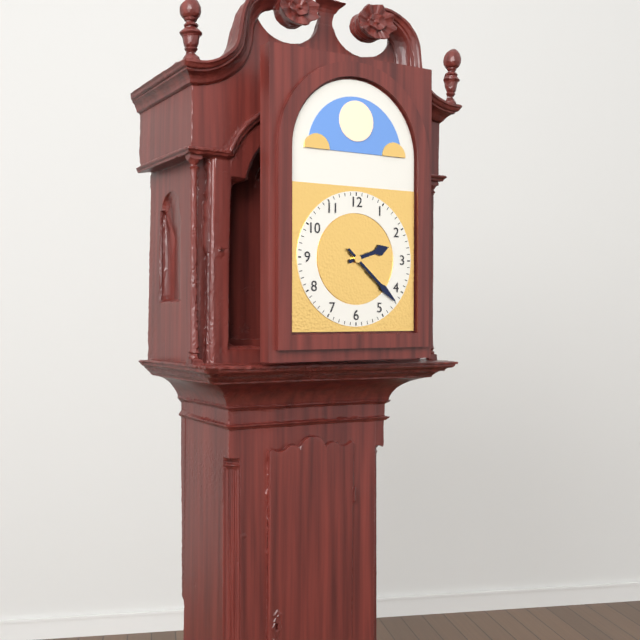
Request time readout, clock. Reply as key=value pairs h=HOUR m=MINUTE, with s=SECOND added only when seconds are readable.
h=2 m=22
